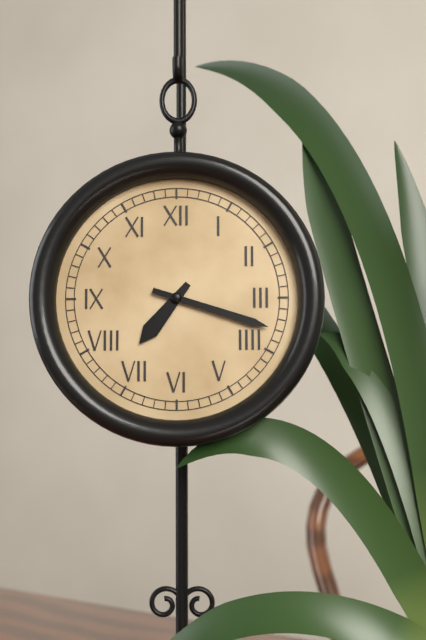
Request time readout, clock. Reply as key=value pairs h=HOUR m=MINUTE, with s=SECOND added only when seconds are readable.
h=7 m=18
